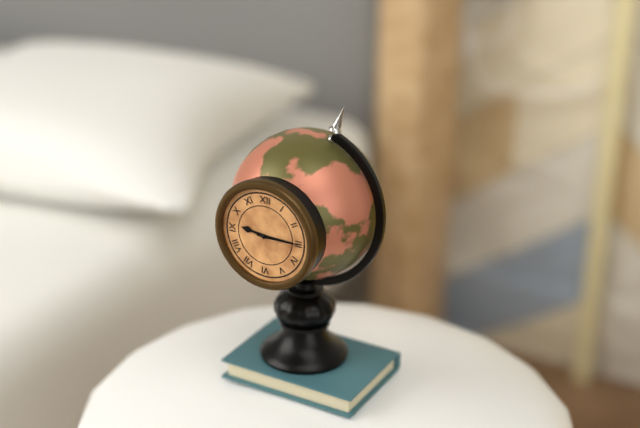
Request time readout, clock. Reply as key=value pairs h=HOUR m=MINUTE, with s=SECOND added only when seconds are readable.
h=9 m=15
